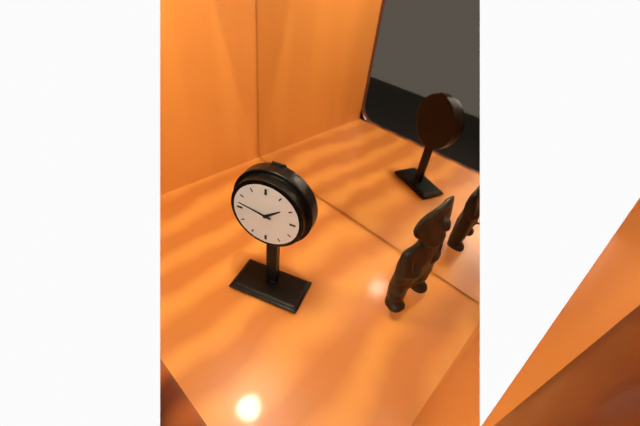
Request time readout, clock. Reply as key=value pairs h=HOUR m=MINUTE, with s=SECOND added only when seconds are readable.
h=1 m=47
